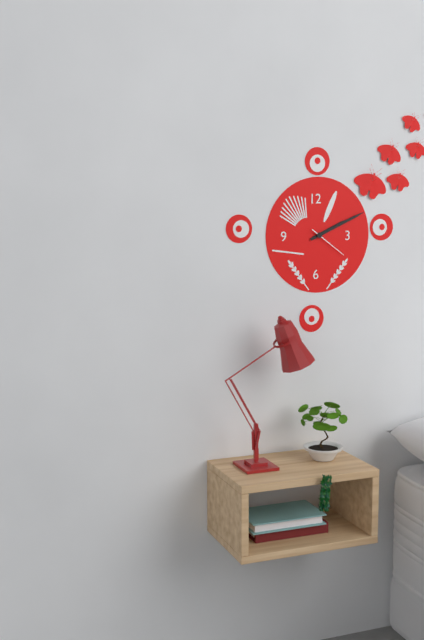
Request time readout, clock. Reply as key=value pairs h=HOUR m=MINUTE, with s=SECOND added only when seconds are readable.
h=2 m=11
